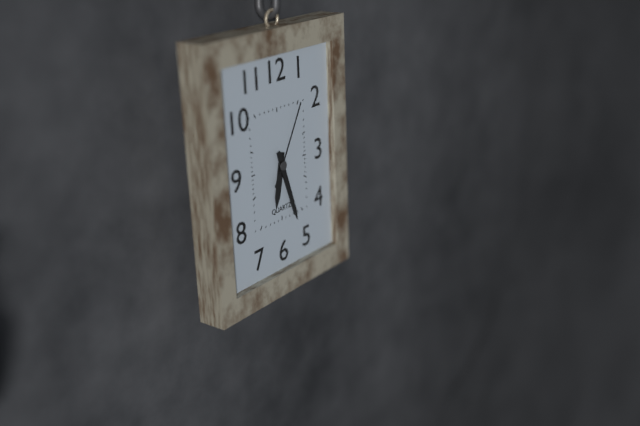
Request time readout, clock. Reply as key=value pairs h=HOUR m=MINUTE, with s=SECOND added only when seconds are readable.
h=6 m=27 s=5
